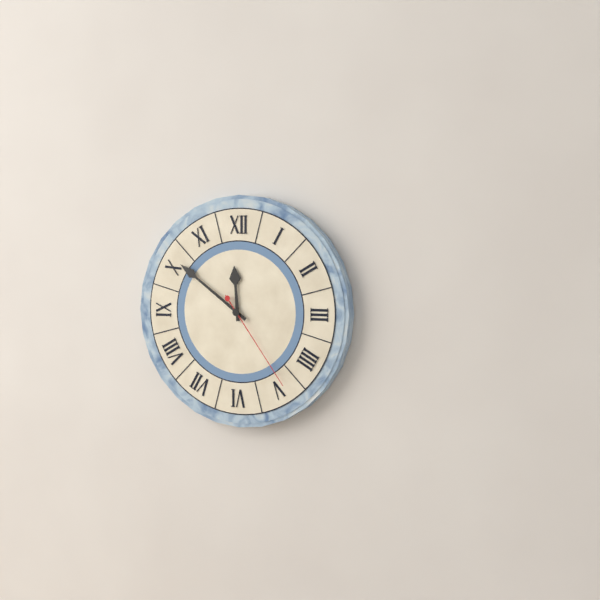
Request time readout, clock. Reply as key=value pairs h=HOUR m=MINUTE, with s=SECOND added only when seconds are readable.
h=11 m=51 s=24
